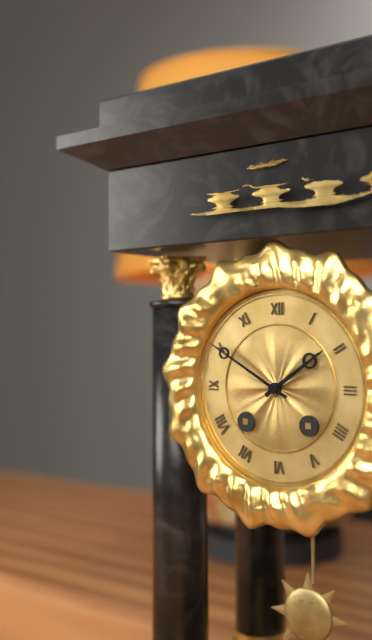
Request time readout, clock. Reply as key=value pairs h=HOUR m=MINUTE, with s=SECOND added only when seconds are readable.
h=1 m=50
